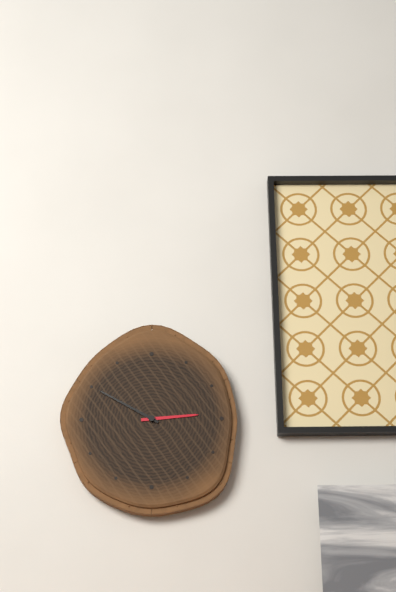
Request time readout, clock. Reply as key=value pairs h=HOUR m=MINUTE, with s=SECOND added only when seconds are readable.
h=2 m=50
